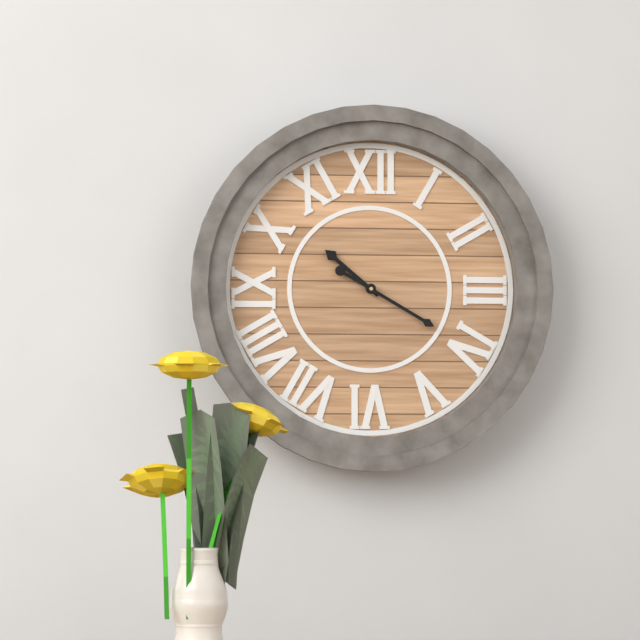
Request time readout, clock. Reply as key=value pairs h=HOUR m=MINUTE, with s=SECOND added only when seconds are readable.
h=10 m=20
